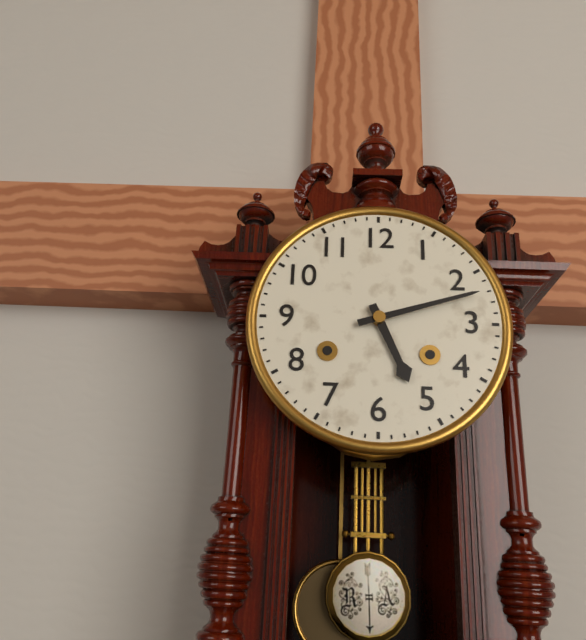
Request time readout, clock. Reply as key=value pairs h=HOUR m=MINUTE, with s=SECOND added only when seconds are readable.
h=5 m=12
